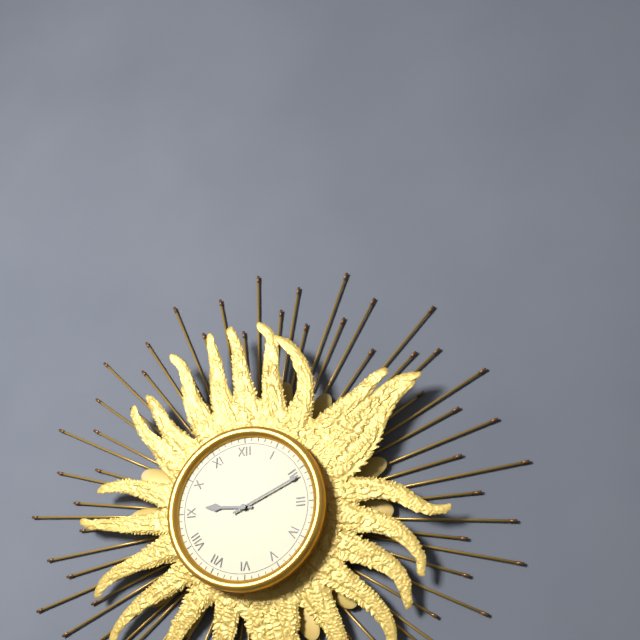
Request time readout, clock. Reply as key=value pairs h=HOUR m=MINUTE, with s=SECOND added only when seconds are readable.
h=9 m=11
